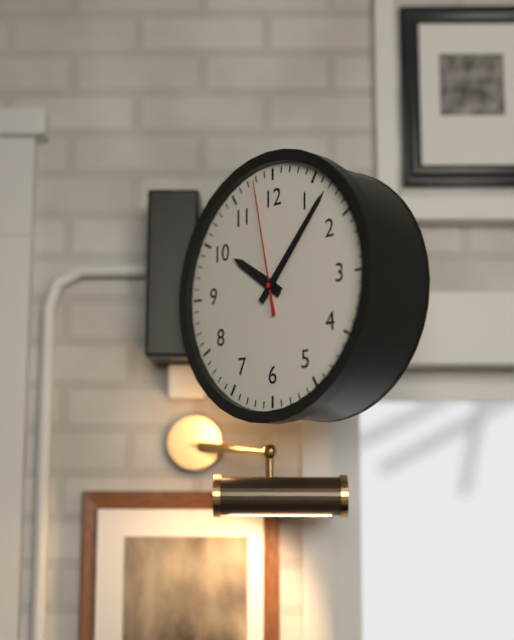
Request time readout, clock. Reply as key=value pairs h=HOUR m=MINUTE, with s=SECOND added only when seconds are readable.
h=10 m=7 s=58
